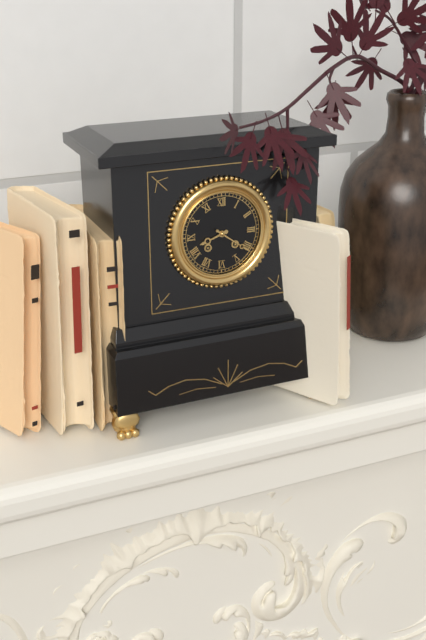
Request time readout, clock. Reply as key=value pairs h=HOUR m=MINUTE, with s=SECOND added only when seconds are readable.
h=8 m=21
